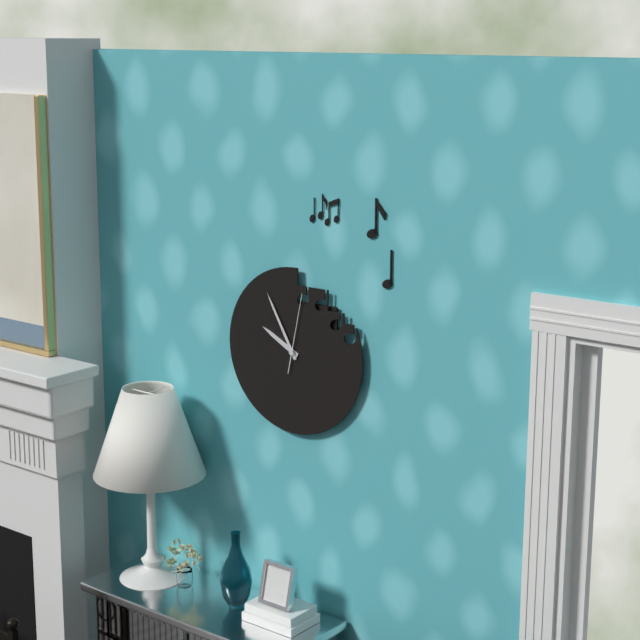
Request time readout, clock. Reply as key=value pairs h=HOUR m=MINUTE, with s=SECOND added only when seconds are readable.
h=9 m=55 s=2
